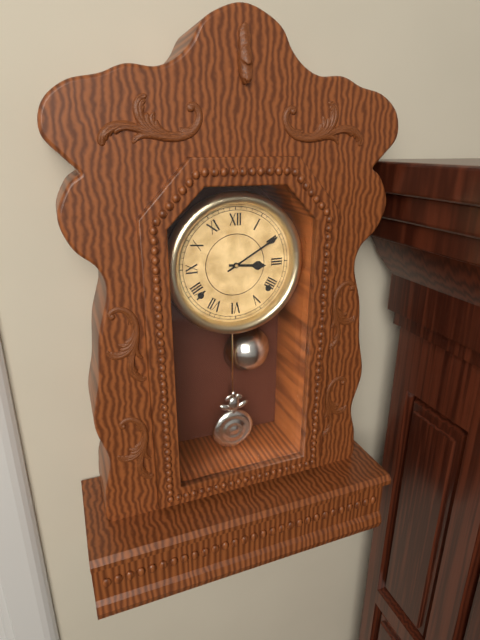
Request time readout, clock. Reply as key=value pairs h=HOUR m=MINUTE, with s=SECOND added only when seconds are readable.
h=3 m=10
